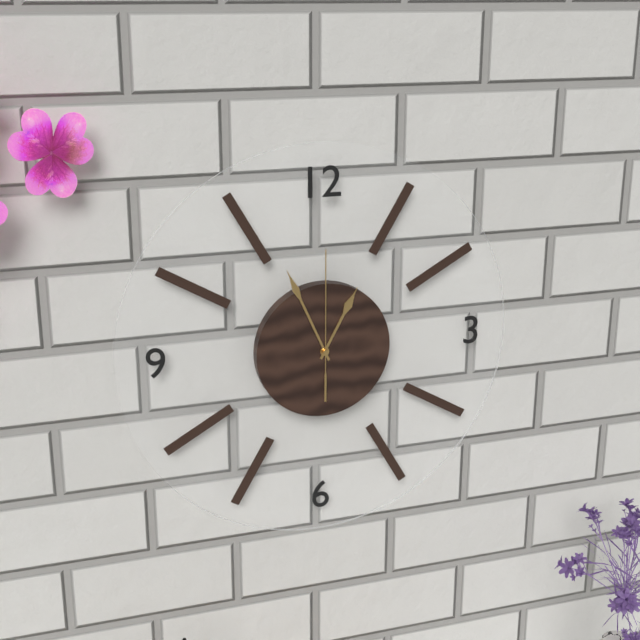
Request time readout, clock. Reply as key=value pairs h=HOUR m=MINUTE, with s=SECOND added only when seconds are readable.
h=12 m=56 s=0
